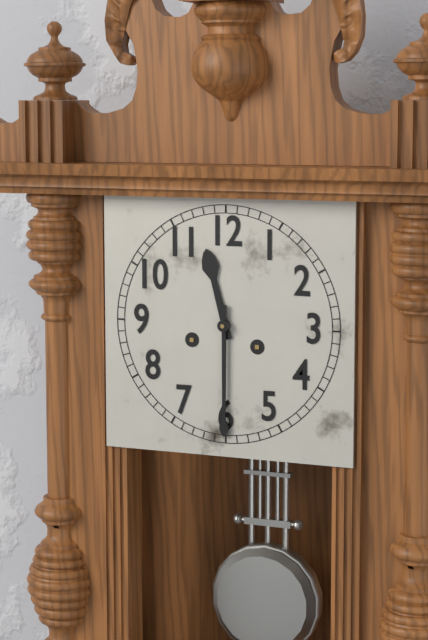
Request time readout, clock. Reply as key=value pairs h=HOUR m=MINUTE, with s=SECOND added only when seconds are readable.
h=11 m=30
